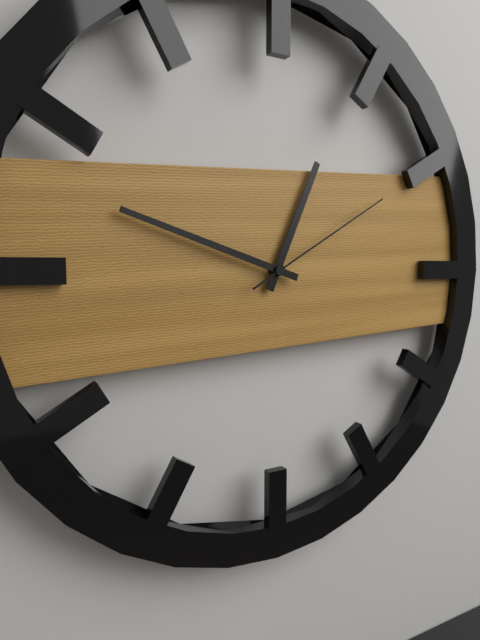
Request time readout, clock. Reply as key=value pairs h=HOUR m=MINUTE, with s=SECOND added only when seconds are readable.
h=12 m=48 s=10
